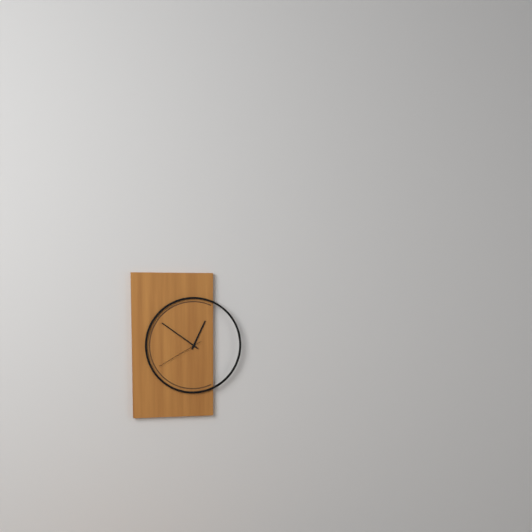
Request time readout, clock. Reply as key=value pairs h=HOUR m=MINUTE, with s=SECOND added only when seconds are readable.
h=12 m=51 s=40
